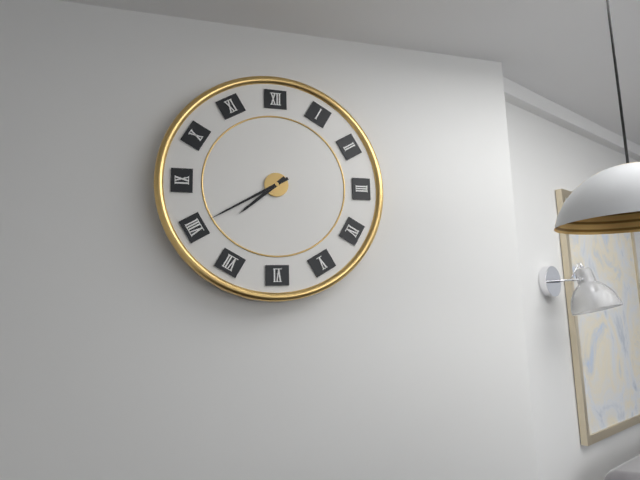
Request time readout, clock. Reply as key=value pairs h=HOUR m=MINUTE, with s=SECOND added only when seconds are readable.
h=7 m=40
